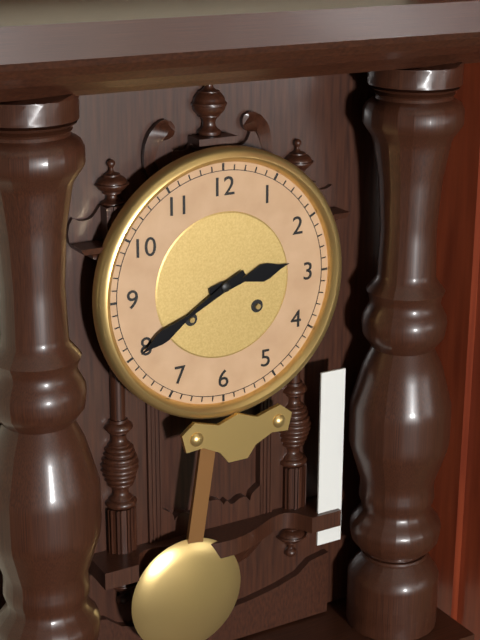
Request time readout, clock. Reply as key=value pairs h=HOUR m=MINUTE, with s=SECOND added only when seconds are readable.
h=2 m=40
